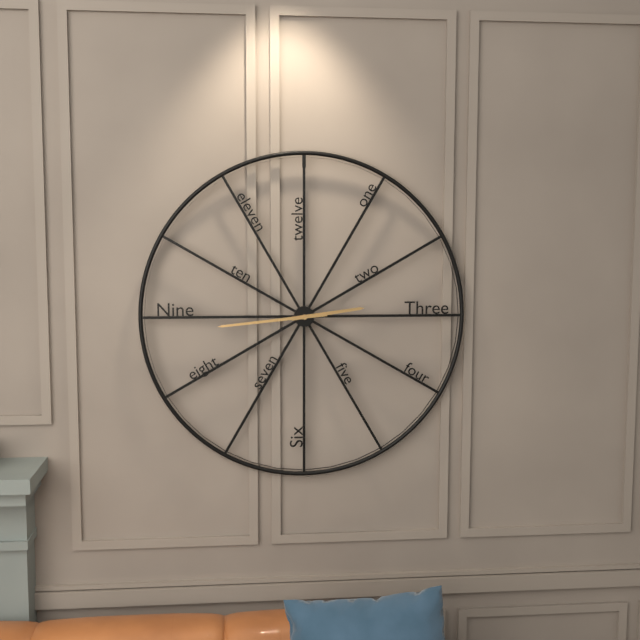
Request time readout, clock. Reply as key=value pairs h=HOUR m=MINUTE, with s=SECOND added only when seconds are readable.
h=2 m=44
